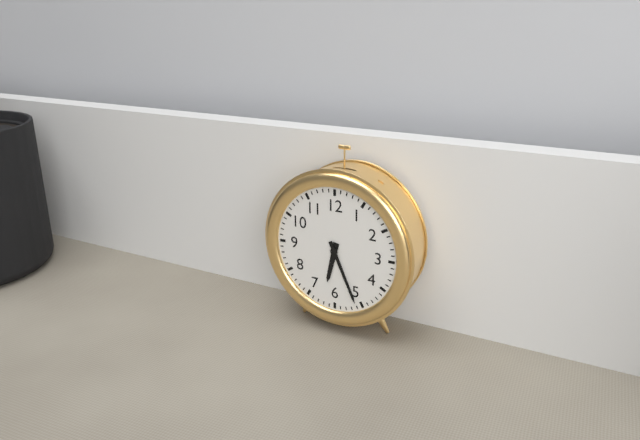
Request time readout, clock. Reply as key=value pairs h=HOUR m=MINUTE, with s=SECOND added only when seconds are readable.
h=6 m=26
